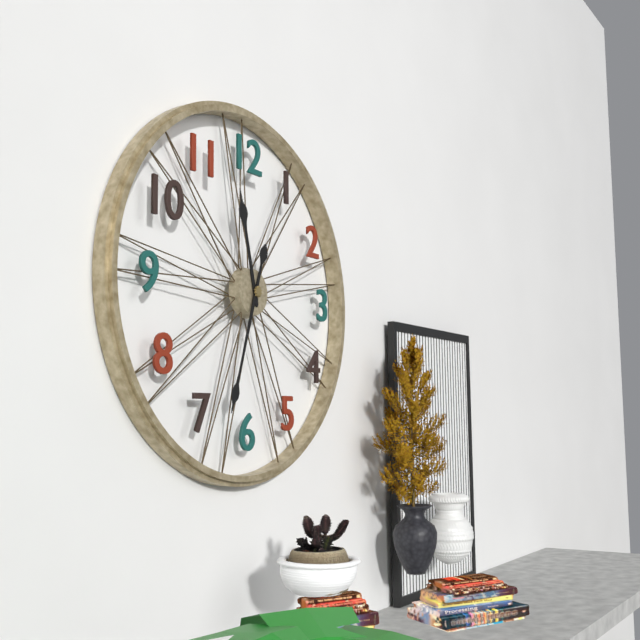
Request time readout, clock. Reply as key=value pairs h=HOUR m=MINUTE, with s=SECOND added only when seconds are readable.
h=11 m=33
